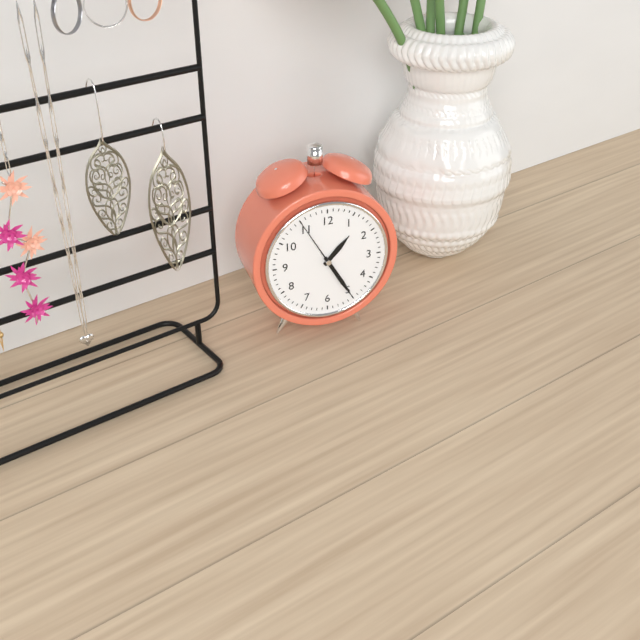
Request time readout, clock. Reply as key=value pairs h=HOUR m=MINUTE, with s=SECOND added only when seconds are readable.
h=1 m=25 s=55
